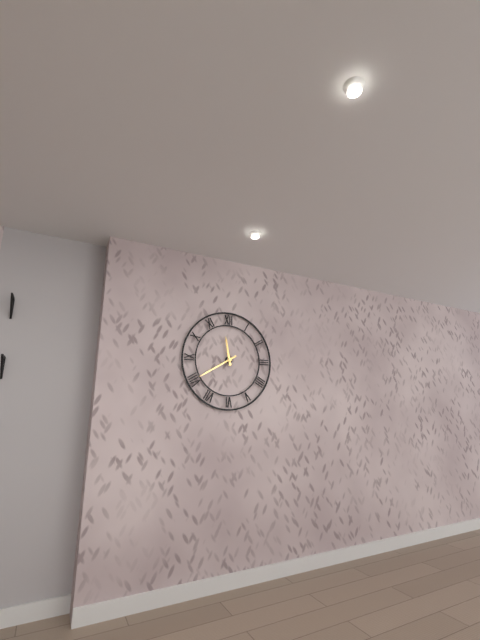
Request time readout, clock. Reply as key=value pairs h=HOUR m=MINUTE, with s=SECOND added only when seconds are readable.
h=11 m=40
